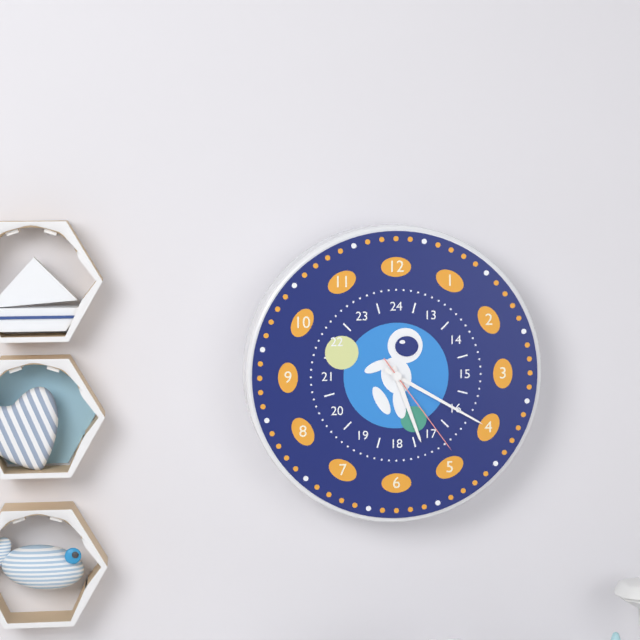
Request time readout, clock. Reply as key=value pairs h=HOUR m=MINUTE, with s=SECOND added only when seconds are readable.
h=5 m=20 s=24
